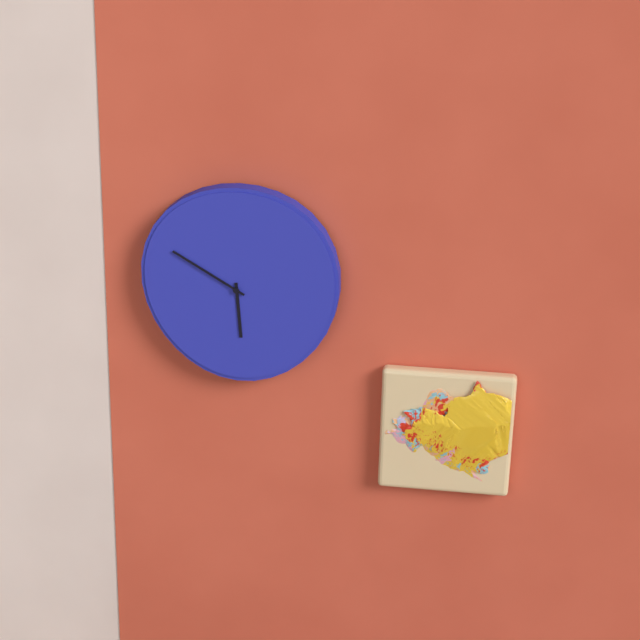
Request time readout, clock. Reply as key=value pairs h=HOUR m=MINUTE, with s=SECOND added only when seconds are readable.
h=5 m=50
